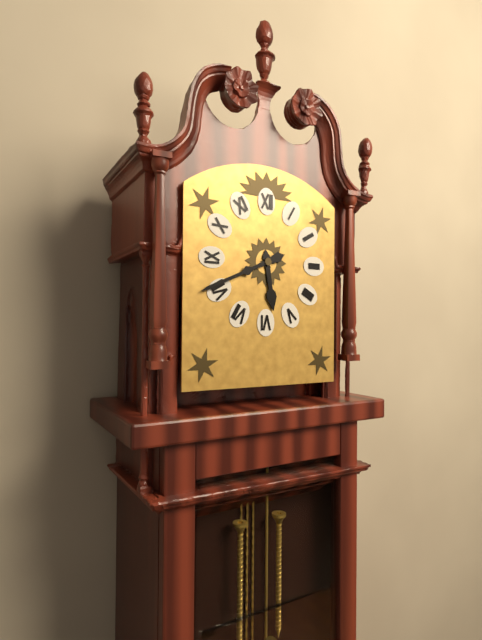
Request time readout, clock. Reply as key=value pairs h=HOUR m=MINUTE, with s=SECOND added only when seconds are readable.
h=5 m=41
